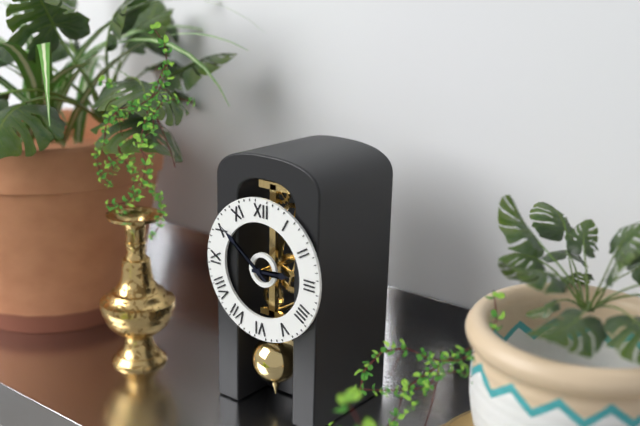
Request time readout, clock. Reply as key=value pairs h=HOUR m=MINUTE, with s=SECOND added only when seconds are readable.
h=2 m=51
